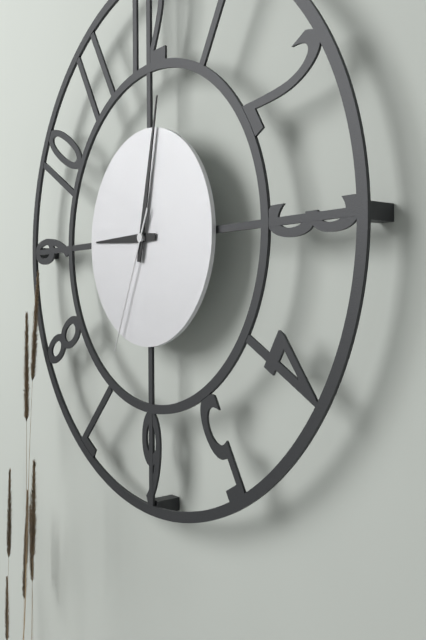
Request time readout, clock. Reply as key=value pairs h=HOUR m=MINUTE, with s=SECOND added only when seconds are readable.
h=9 m=2 s=34
